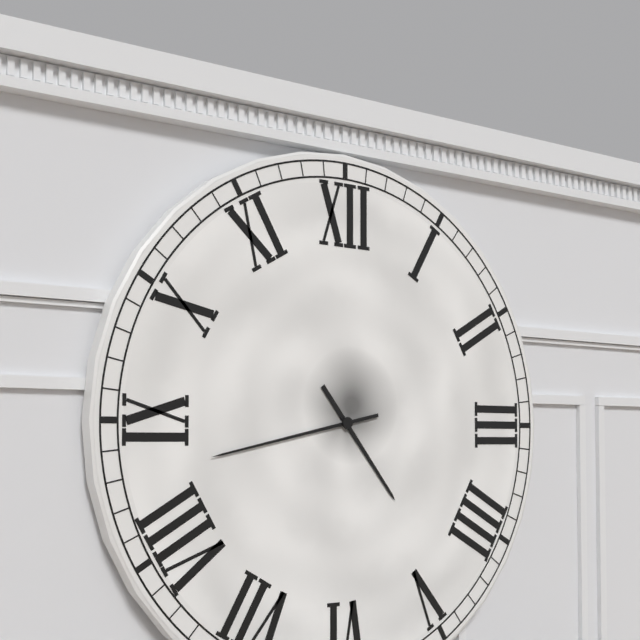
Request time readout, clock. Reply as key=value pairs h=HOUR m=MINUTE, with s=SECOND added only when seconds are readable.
h=4 m=43
